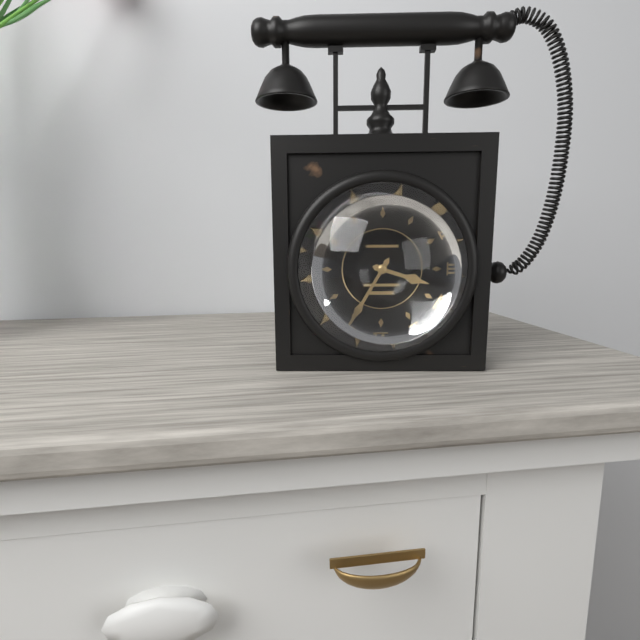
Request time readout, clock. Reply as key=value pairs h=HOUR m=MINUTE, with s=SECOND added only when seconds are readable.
h=3 m=35
